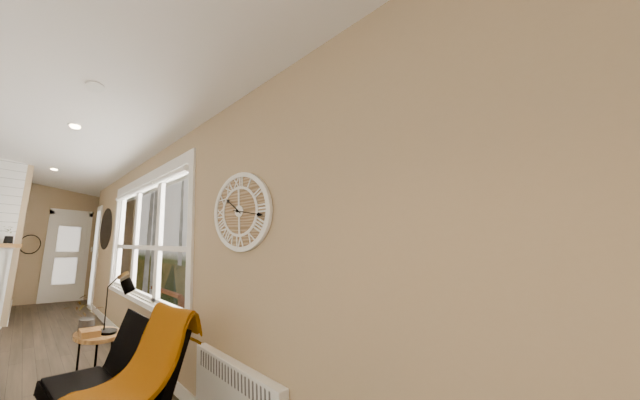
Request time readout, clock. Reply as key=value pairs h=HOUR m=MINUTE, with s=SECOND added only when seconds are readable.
h=10 m=17
